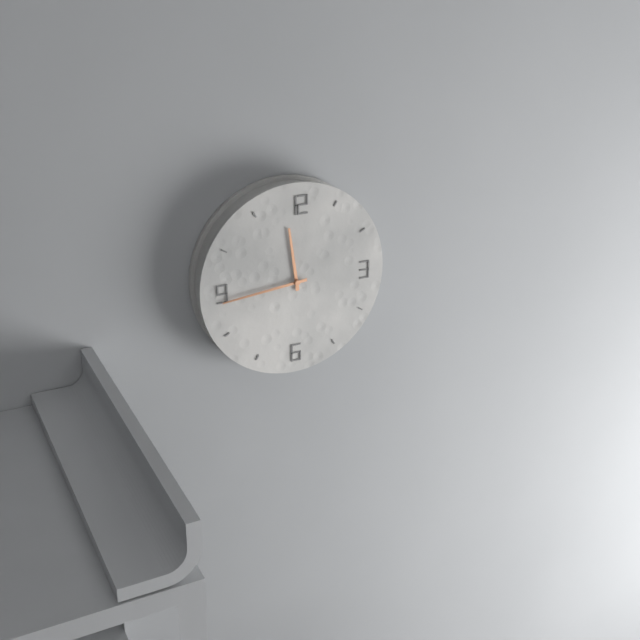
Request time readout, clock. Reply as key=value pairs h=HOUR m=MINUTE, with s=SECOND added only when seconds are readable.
h=11 m=44
